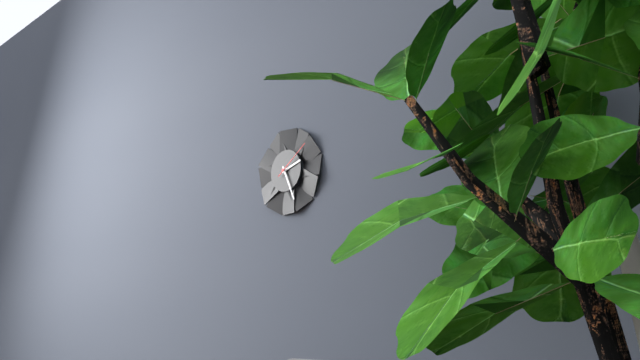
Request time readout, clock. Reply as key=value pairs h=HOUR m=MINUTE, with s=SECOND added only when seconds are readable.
h=2 m=26
